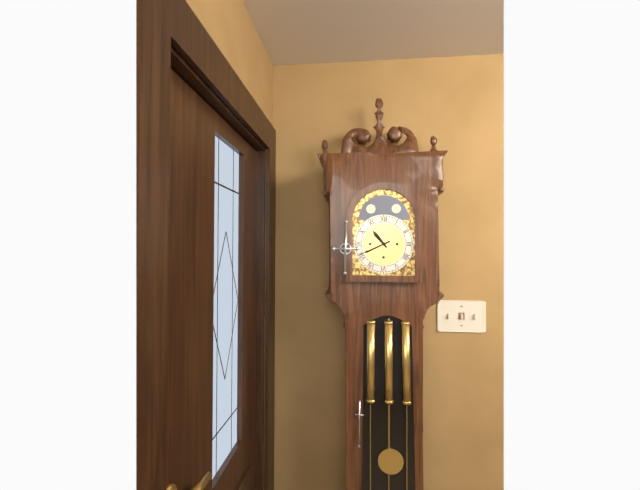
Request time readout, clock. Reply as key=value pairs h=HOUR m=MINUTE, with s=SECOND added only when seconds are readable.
h=10 m=41
